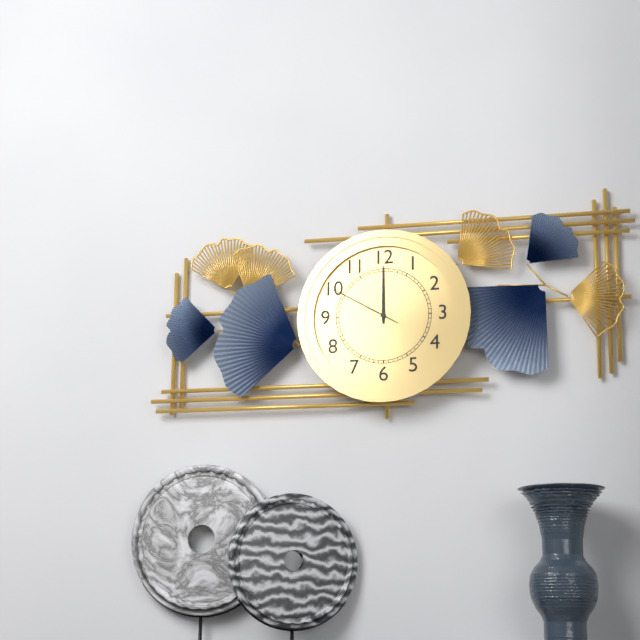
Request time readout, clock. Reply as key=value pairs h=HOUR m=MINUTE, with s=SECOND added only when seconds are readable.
h=12 m=0 s=50
